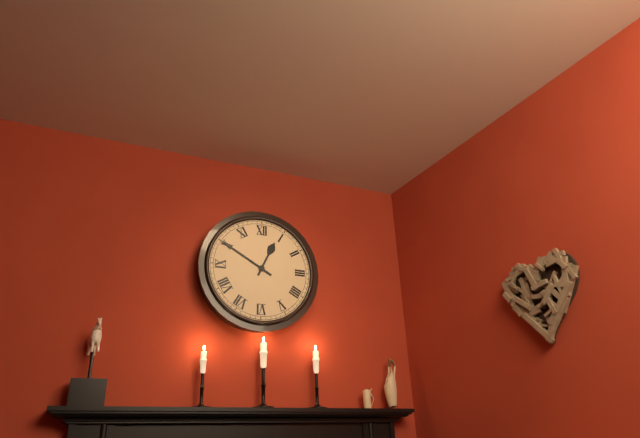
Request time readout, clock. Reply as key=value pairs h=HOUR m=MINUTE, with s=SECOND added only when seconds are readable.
h=12 m=50
